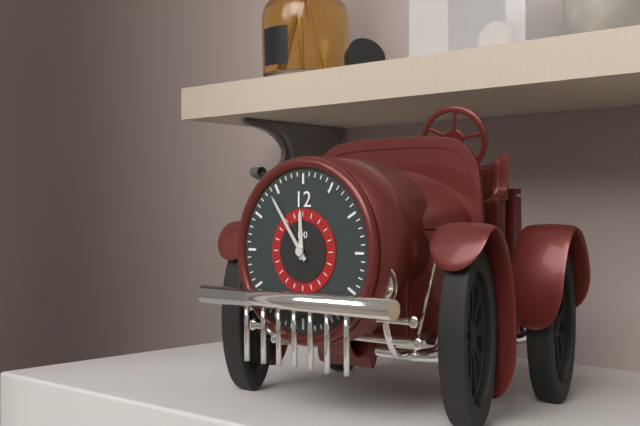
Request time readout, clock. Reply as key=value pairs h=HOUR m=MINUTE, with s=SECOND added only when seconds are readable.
h=11 m=54
